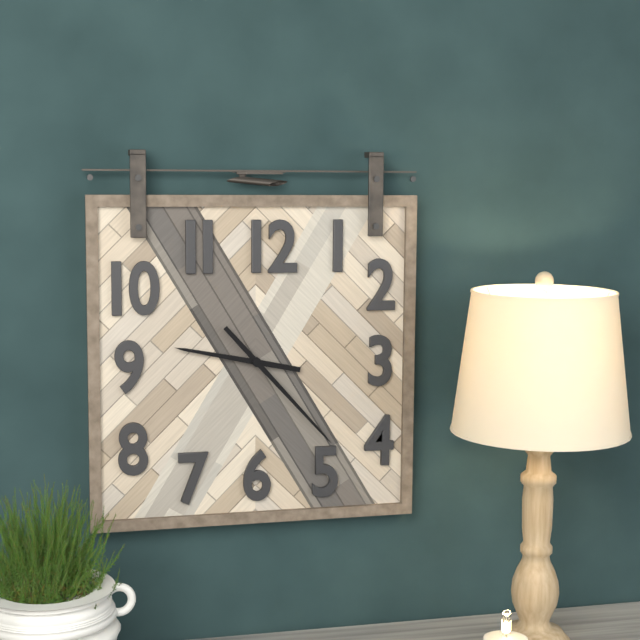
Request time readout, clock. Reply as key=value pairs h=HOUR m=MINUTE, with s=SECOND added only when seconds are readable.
h=9 m=23
